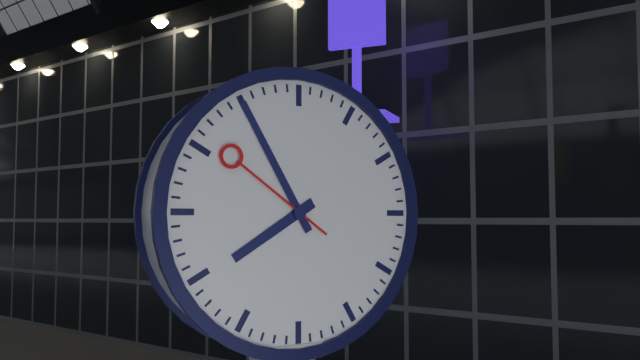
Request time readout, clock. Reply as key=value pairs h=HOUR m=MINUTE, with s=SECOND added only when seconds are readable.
h=7 m=55 s=51
